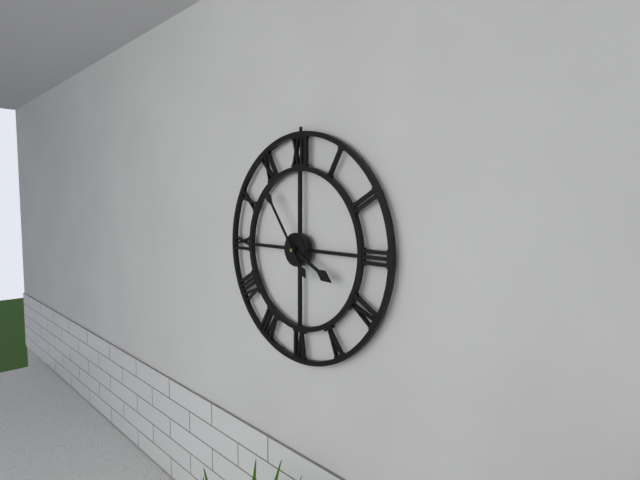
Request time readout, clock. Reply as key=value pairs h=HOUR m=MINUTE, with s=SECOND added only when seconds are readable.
h=3 m=54
